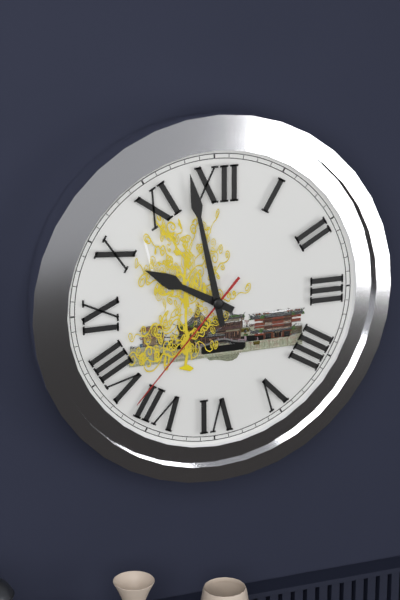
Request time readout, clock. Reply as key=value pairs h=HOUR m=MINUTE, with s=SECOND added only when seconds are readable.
h=9 m=58 s=37
